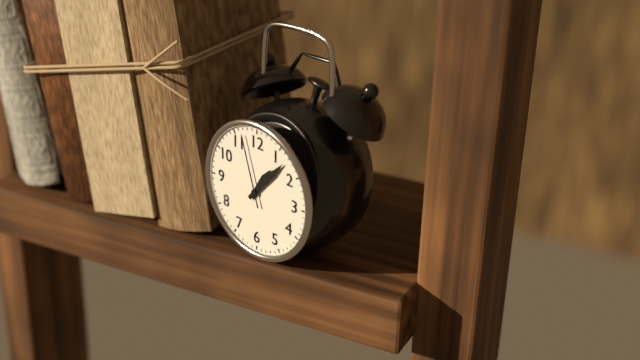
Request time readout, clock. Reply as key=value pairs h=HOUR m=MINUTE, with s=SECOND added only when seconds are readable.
h=1 m=7 s=57
